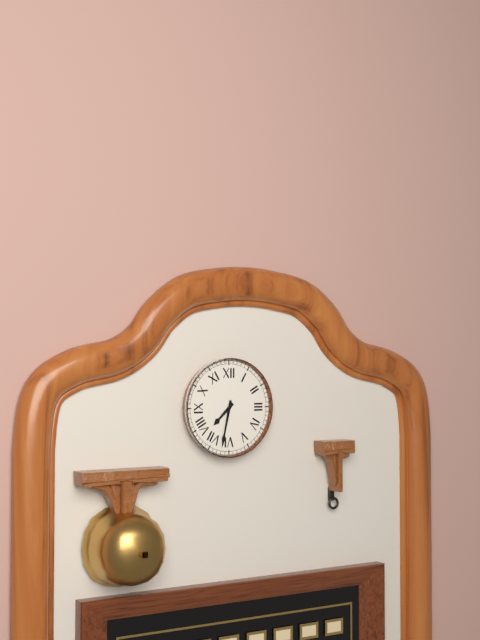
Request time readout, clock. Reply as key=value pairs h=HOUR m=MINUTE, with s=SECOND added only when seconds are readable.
h=7 m=32
